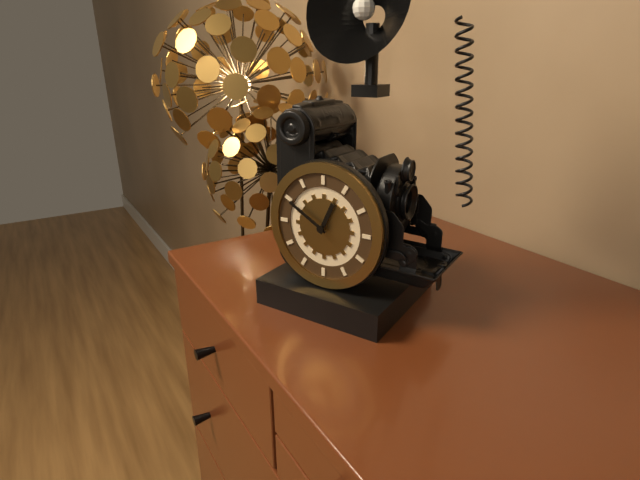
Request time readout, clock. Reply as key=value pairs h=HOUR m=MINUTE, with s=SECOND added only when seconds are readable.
h=12 m=50
